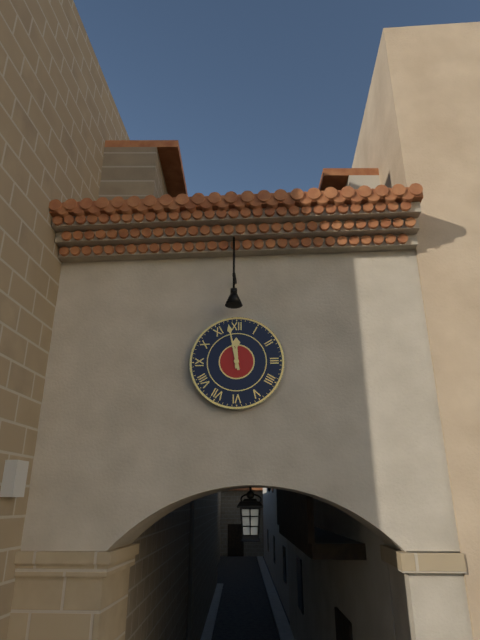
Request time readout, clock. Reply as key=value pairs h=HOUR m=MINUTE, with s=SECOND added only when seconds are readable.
h=11 m=58
